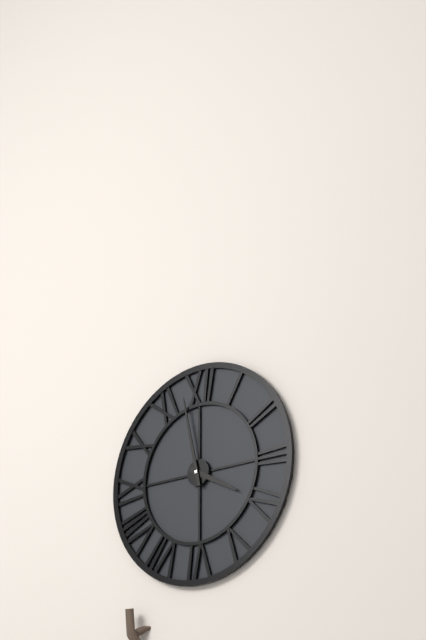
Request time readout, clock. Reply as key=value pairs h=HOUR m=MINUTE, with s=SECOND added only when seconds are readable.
h=3 m=58
